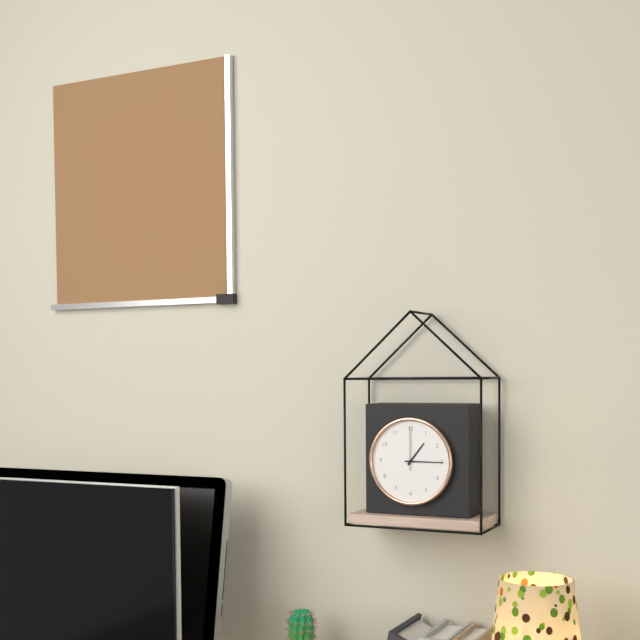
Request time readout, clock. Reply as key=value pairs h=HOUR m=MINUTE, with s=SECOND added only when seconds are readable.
h=1 m=15
